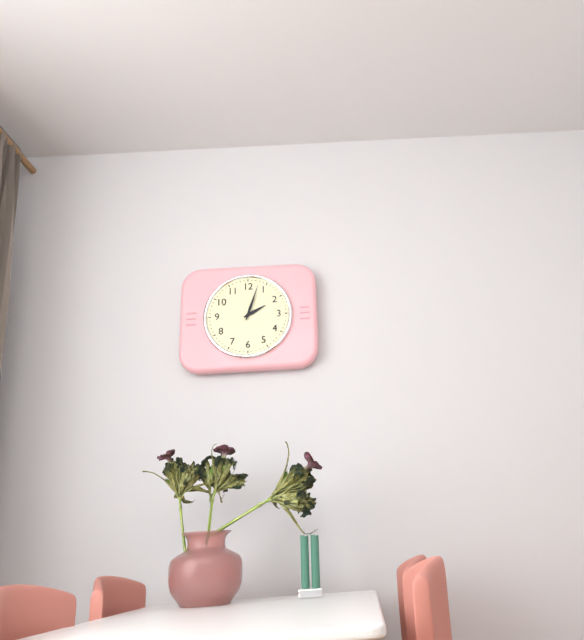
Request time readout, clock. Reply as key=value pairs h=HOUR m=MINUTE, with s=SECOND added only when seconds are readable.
h=2 m=3
